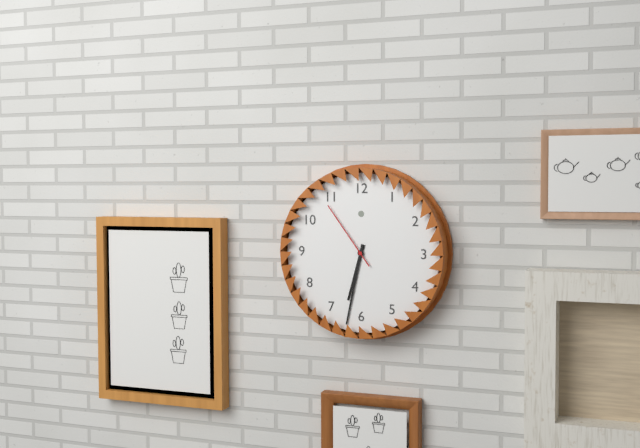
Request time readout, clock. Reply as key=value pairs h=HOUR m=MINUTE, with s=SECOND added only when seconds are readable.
h=6 m=32 s=54
